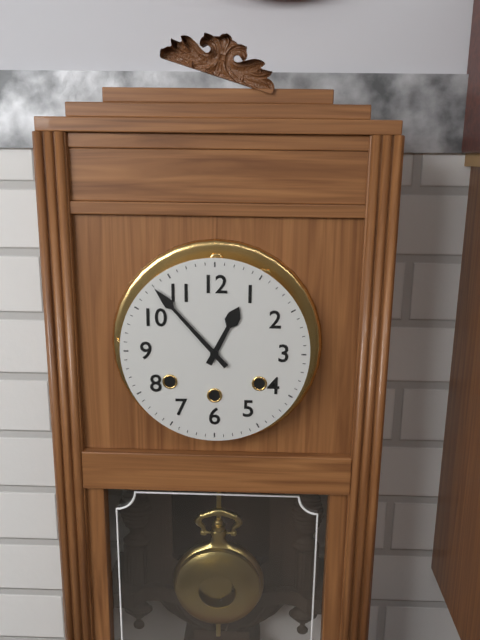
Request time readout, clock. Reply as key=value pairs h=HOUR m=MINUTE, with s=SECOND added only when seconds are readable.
h=12 m=53
